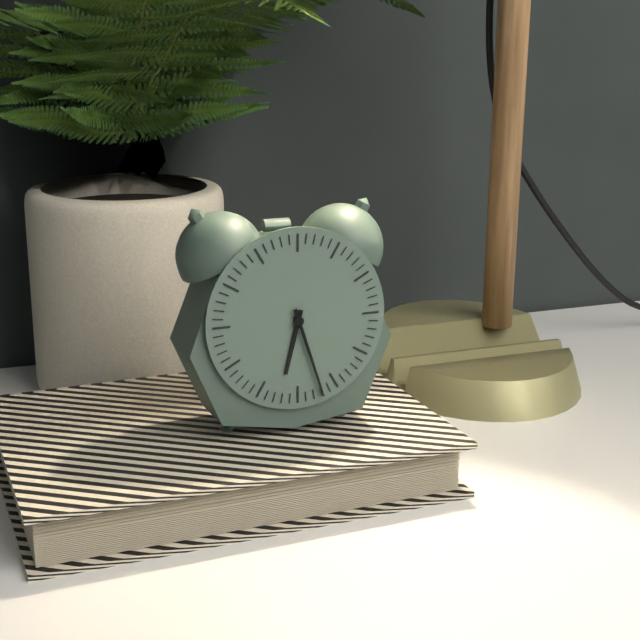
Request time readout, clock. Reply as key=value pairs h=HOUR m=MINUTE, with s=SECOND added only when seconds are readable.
h=6 m=27
